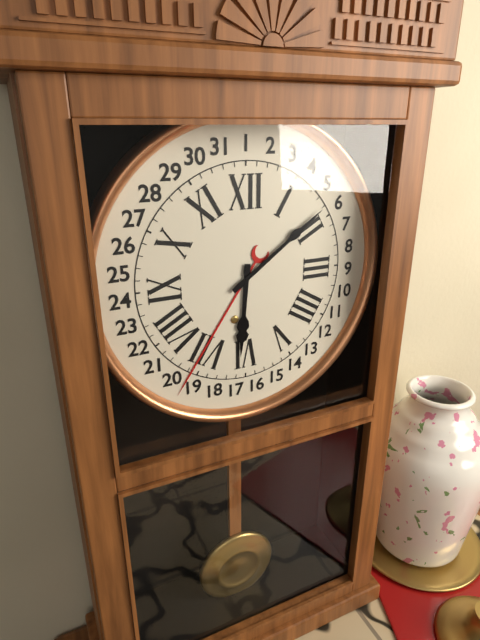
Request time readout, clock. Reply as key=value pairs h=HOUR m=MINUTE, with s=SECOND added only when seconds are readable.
h=6 m=9
